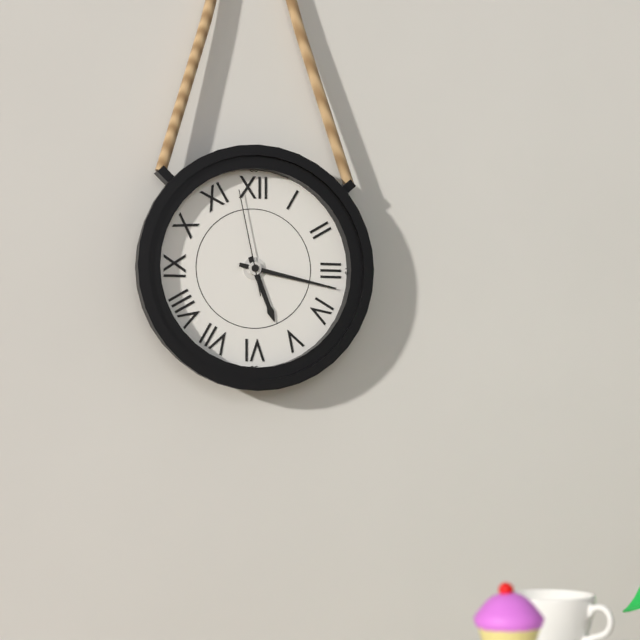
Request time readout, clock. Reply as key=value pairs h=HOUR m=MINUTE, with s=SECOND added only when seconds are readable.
h=5 m=17 s=58
